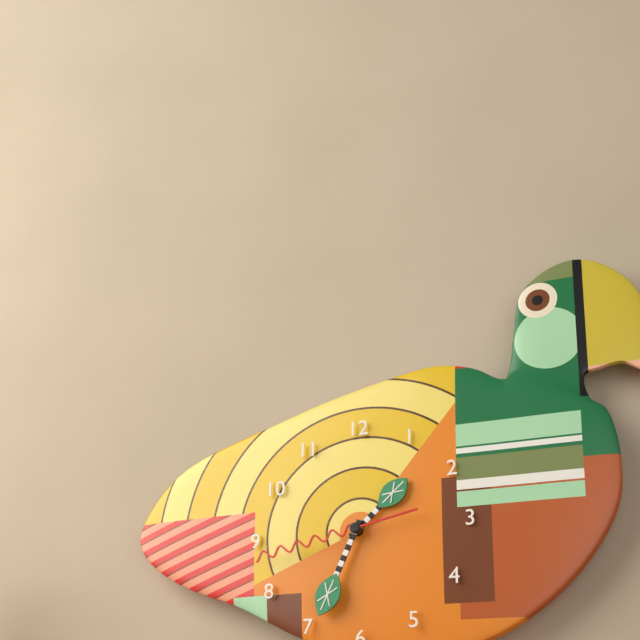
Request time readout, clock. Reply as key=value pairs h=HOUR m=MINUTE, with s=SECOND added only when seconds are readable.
h=1 m=34 s=43
